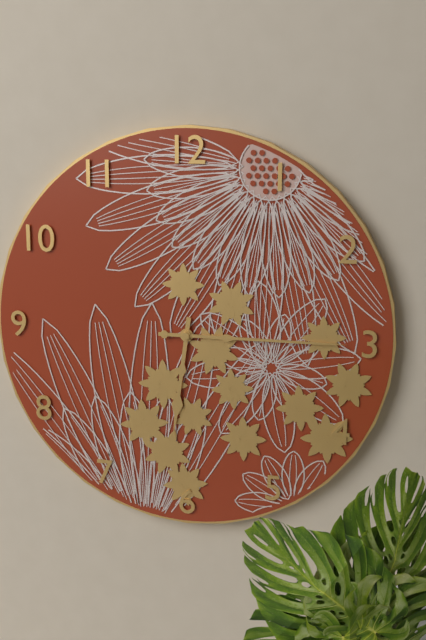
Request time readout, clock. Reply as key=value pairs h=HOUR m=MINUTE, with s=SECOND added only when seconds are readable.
h=6 m=15
